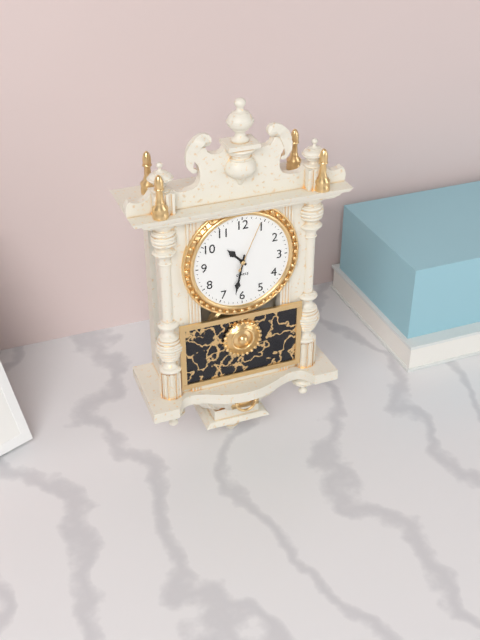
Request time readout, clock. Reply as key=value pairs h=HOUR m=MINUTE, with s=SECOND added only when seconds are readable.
h=10 m=32 s=4
